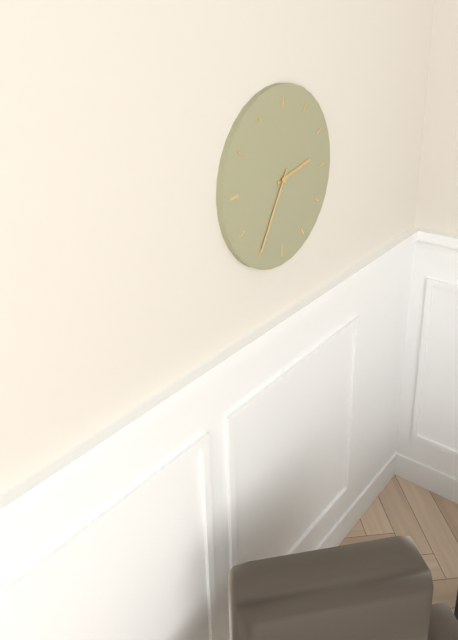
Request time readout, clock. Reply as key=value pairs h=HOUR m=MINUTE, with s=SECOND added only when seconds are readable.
h=2 m=35
